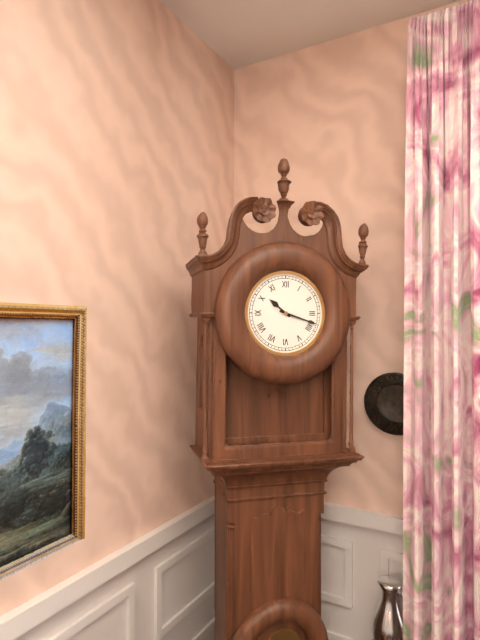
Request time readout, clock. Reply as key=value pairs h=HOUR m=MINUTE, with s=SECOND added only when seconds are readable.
h=10 m=18
